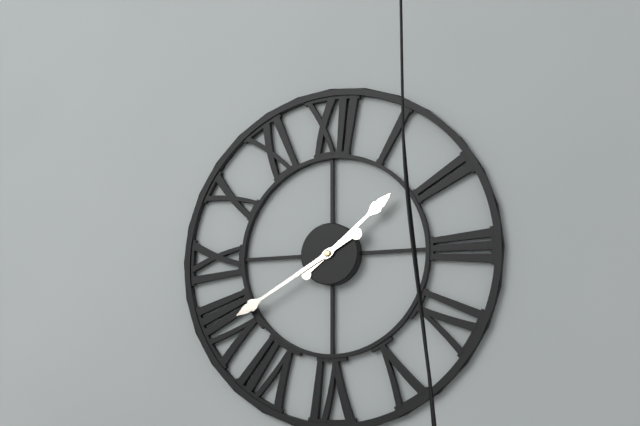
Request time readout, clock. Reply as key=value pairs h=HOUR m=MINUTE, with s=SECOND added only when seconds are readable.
h=1 m=40
